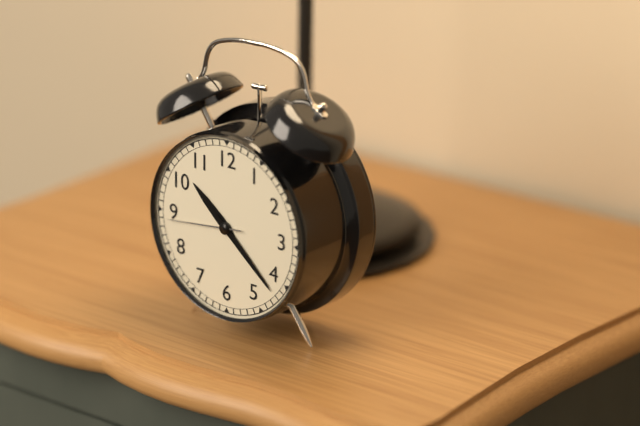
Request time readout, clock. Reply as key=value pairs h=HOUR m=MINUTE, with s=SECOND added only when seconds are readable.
h=10 m=22 s=44
